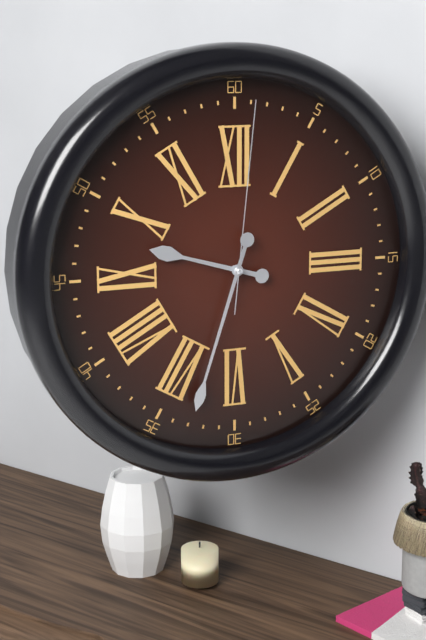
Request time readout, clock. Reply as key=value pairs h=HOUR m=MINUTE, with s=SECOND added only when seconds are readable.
h=9 m=33 s=1
